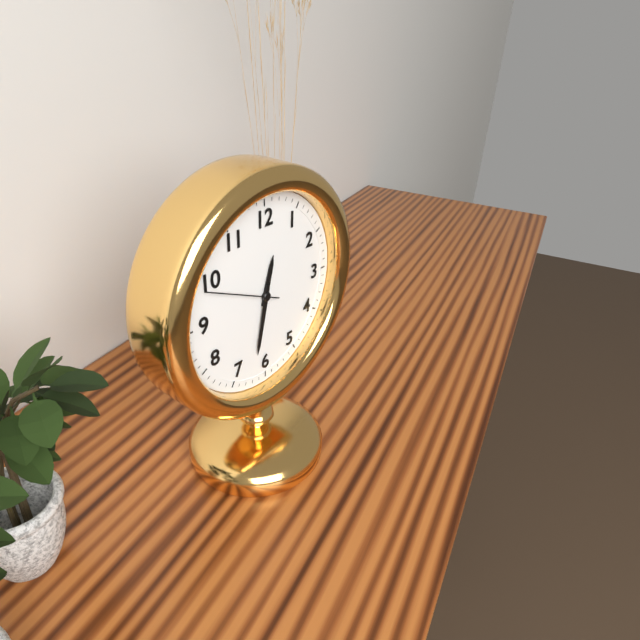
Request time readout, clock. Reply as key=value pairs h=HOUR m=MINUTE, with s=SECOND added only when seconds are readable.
h=12 m=32 s=49
